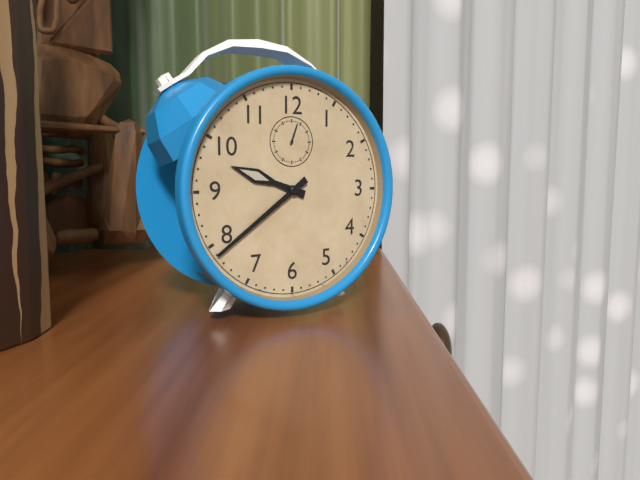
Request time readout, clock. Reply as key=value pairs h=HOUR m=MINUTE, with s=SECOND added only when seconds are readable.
h=9 m=39
